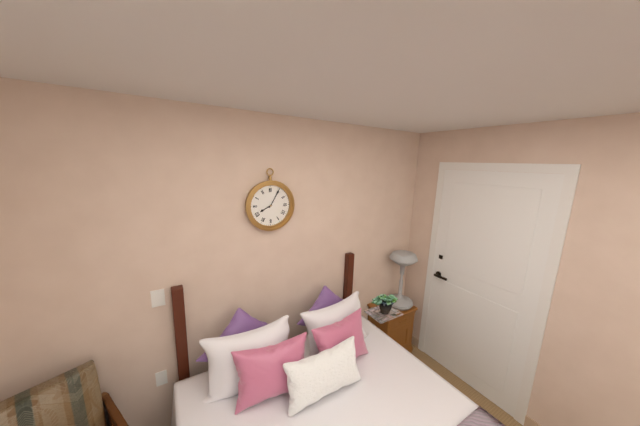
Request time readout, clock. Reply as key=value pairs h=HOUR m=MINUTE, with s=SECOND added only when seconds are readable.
h=8 m=5
